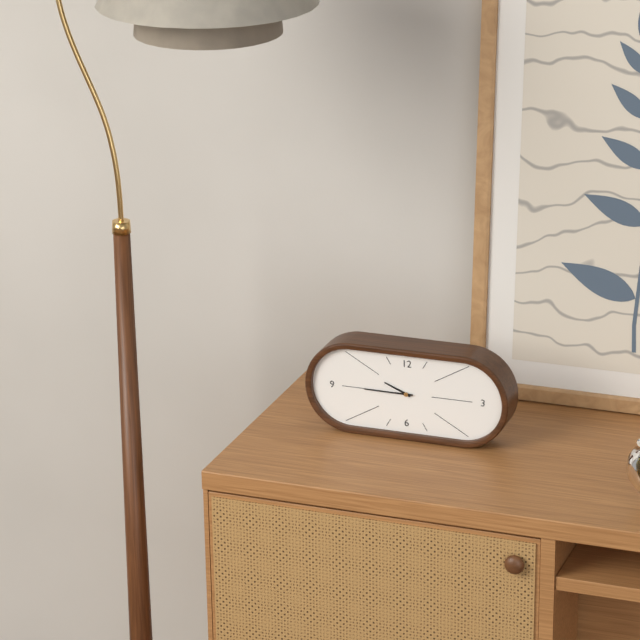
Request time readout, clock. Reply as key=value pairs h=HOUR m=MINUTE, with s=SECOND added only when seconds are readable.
h=9 m=45
